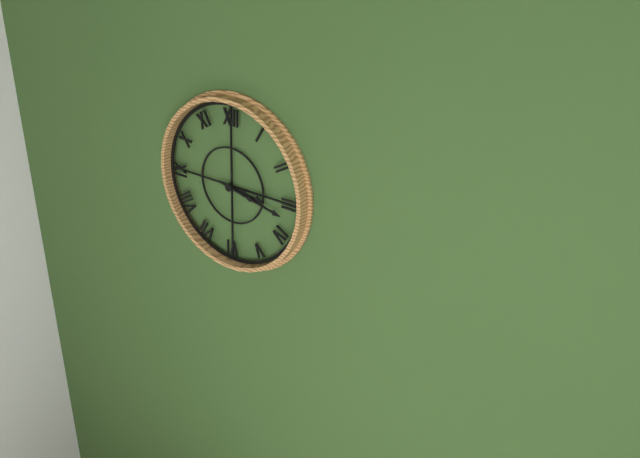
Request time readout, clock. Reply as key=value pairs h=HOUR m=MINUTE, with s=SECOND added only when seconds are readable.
h=3 m=17
